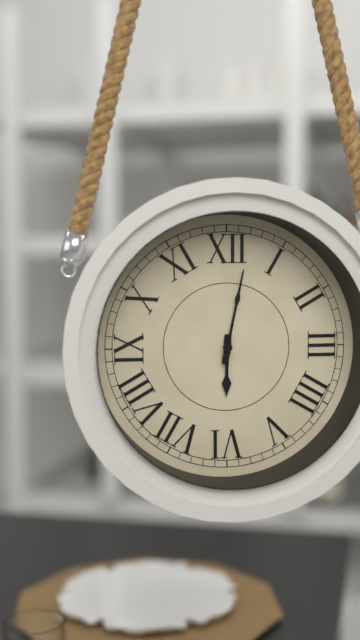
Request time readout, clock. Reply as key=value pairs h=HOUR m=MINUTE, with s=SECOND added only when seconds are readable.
h=6 m=2
